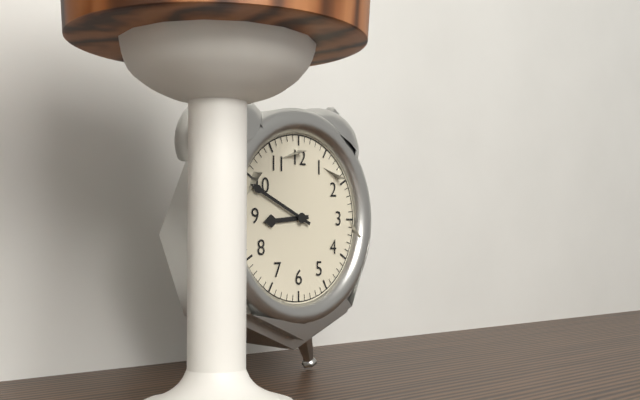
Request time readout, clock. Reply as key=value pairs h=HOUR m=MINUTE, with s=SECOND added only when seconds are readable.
h=8 m=49
